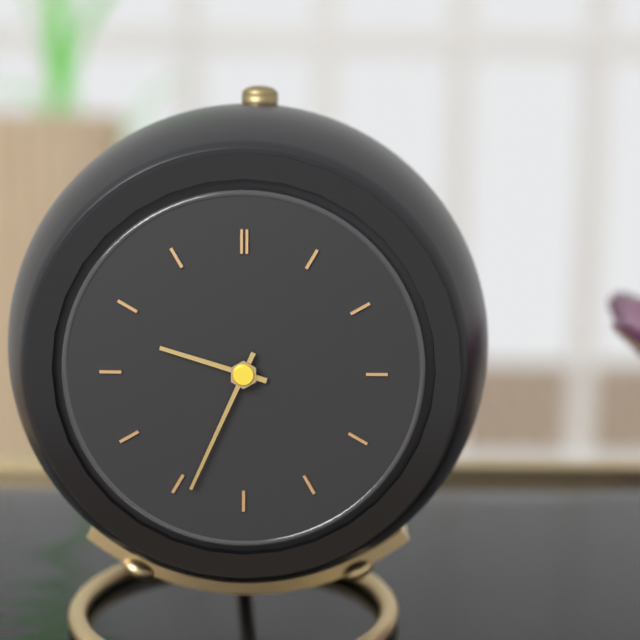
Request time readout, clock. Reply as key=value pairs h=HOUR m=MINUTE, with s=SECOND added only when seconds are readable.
h=9 m=34
